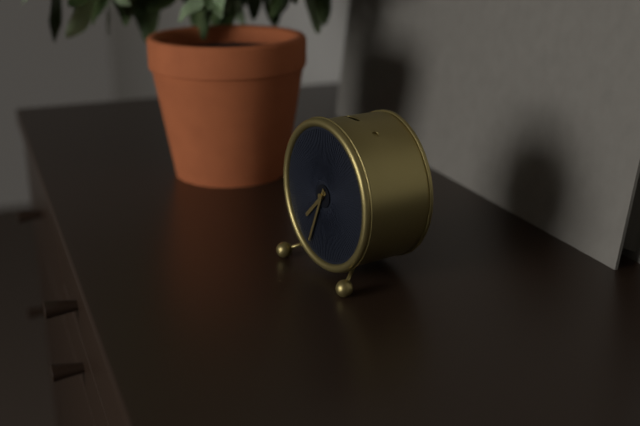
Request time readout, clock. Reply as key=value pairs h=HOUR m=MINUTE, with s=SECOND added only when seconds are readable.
h=7 m=34
